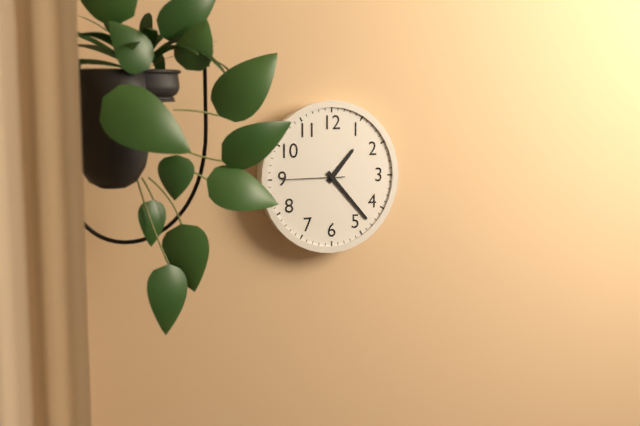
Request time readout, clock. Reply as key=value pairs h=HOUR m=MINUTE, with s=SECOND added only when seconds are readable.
h=1 m=23 s=45
